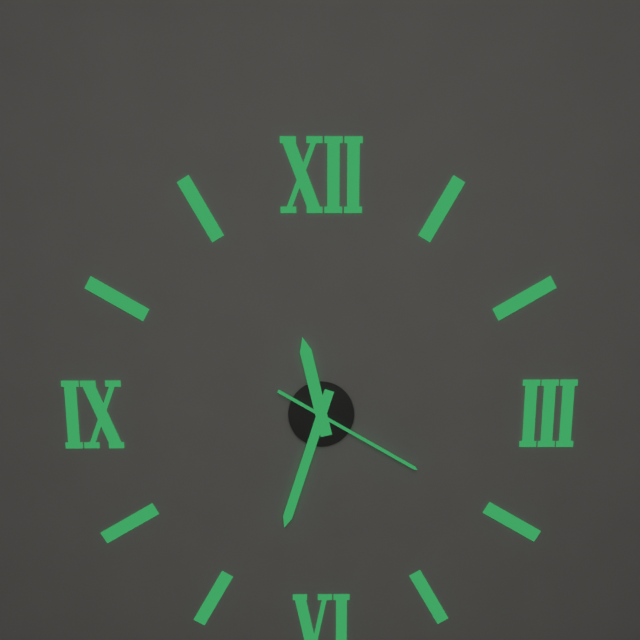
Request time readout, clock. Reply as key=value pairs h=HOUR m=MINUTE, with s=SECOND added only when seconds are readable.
h=11 m=33 s=20
